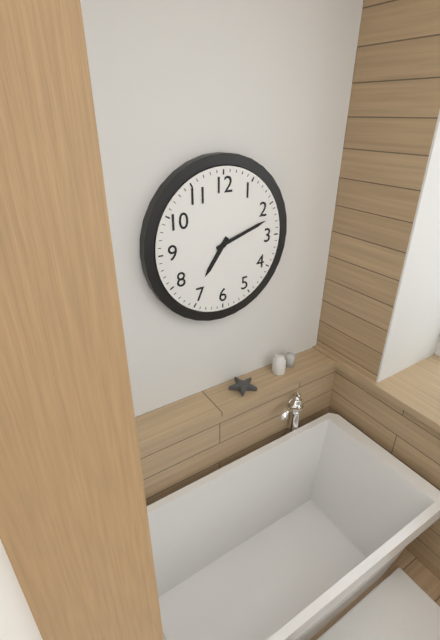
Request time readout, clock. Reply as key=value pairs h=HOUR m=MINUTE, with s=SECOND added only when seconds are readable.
h=7 m=12
